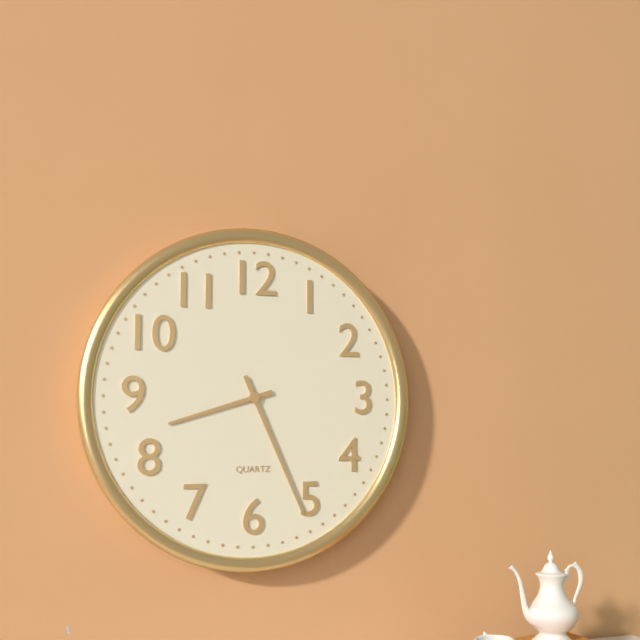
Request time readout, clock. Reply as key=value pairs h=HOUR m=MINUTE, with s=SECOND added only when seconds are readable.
h=8 m=26
